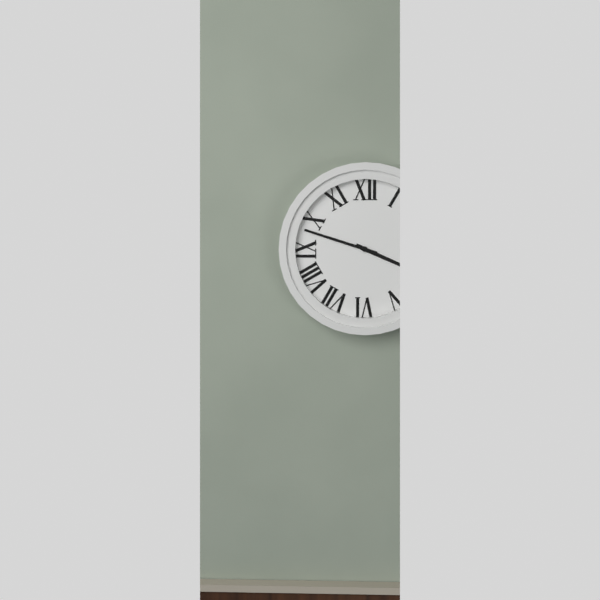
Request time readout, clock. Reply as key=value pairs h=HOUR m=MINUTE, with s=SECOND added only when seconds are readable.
h=3 m=48
